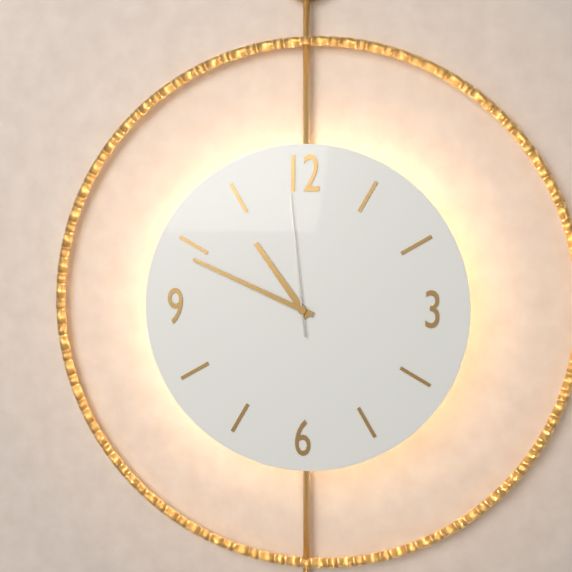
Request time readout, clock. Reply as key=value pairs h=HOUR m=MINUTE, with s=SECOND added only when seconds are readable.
h=10 m=49 s=59
